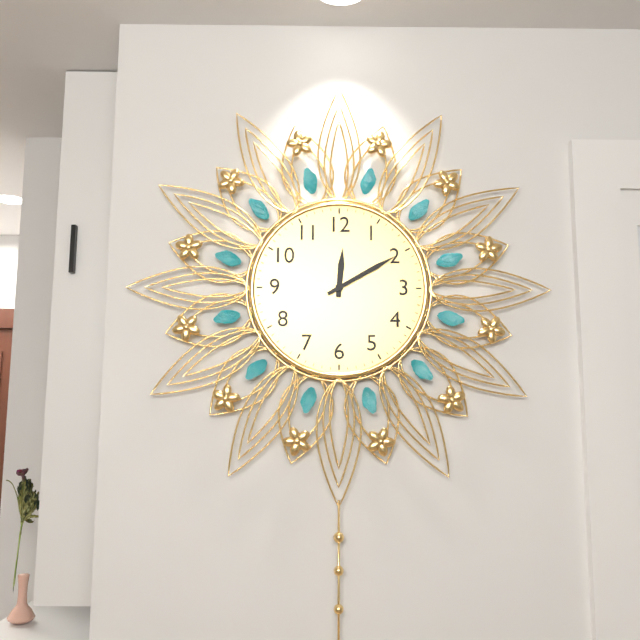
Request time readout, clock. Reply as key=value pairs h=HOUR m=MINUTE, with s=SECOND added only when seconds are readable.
h=12 m=10
